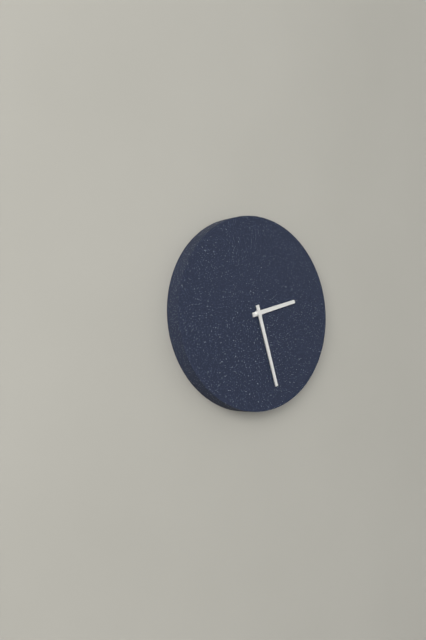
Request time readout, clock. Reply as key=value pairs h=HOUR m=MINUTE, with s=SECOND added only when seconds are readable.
h=2 m=27
